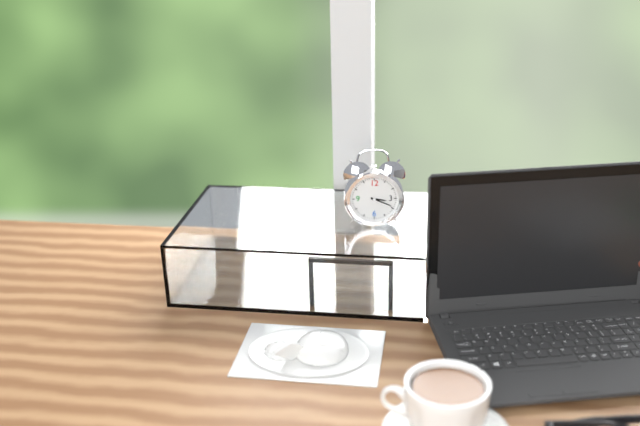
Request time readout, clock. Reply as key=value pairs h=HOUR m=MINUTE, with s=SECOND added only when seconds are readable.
h=3 m=19
